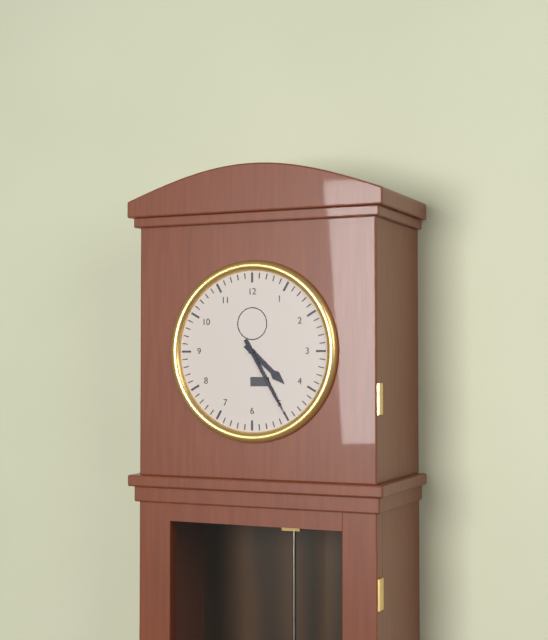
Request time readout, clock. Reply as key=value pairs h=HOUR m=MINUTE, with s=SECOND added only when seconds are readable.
h=4 m=25
